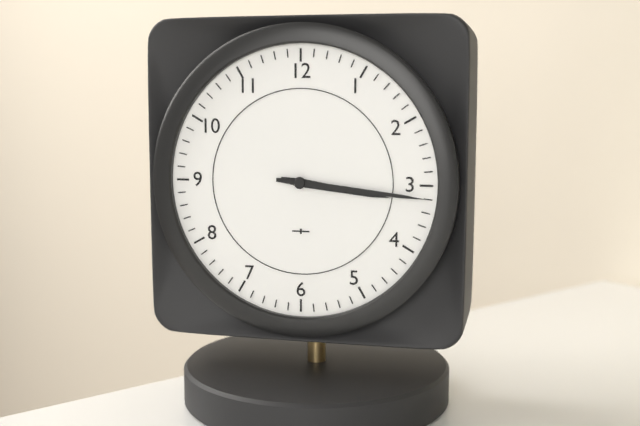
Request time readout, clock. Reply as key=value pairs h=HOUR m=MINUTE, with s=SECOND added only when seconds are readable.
h=3 m=16
